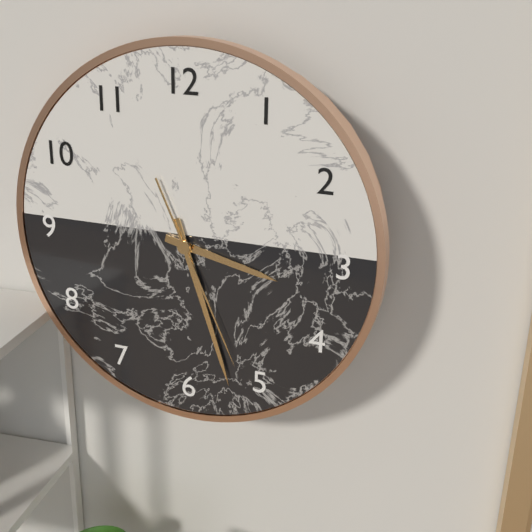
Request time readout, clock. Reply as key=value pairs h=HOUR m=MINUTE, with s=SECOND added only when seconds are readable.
h=3 m=27 s=26
